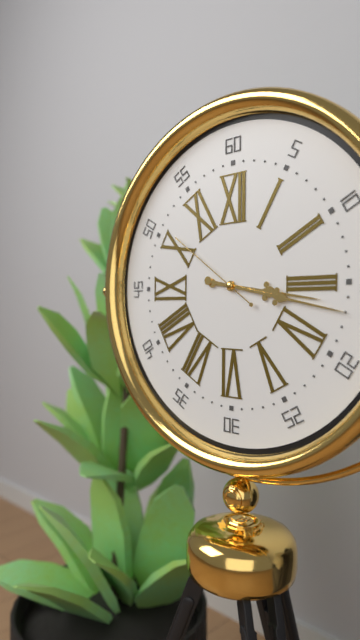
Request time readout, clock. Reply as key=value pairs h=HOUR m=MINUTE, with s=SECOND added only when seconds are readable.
h=3 m=17 s=51
